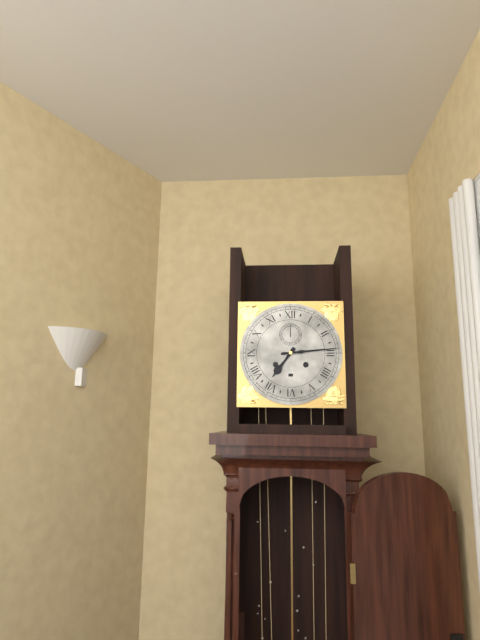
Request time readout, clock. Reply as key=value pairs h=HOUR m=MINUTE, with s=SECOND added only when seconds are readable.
h=7 m=14
